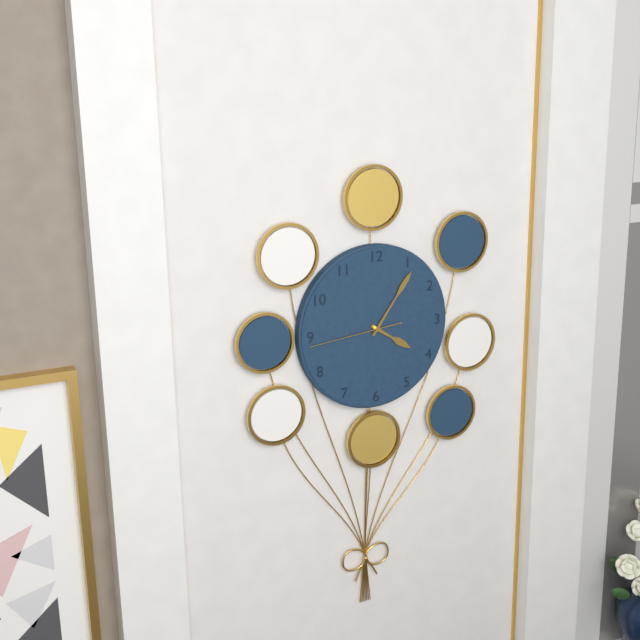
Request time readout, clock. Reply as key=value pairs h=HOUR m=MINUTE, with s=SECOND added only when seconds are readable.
h=4 m=6 s=44
